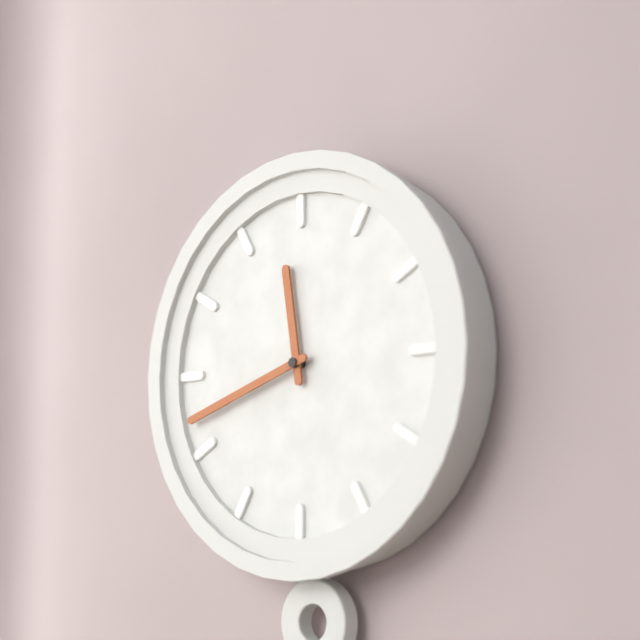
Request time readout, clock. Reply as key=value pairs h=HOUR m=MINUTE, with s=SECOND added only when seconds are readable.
h=11 m=42
